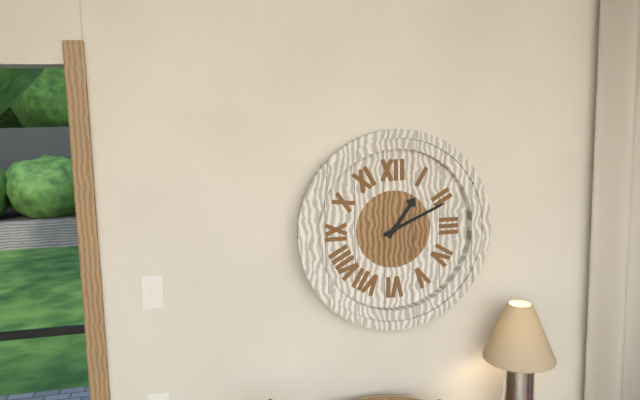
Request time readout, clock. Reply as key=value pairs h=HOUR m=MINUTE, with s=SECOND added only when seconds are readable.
h=1 m=11
